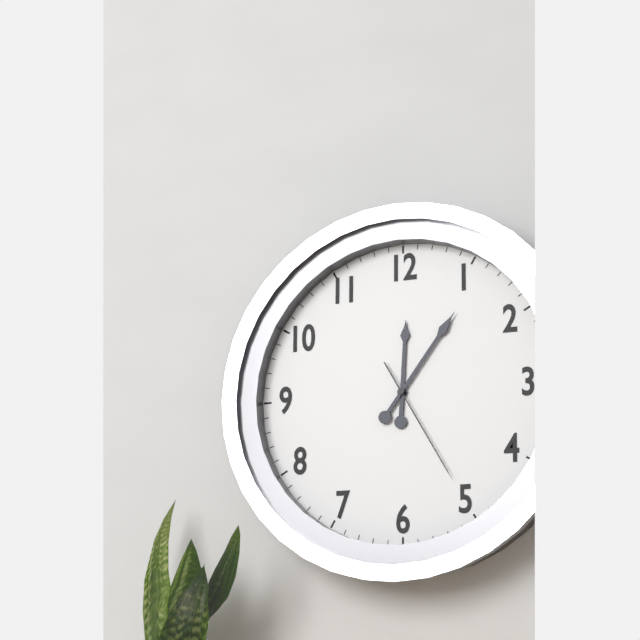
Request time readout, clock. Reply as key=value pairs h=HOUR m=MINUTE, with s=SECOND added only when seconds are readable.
h=12 m=6 s=25
